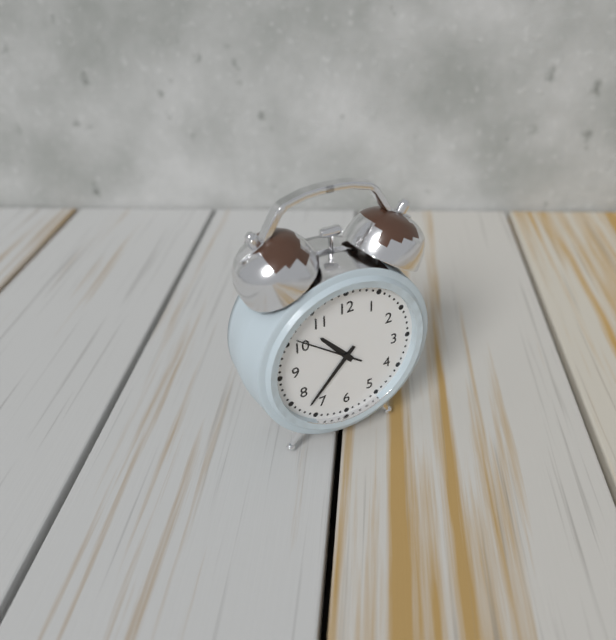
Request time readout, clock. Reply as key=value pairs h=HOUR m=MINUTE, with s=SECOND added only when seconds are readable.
h=10 m=37 s=51
